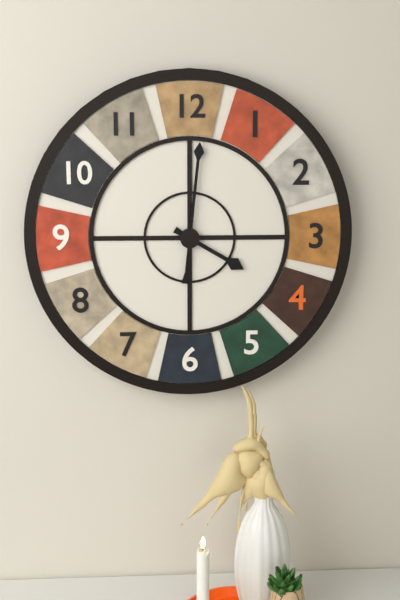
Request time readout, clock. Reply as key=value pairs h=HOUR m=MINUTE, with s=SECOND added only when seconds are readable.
h=4 m=1
